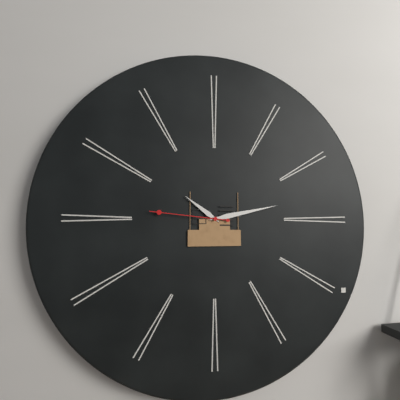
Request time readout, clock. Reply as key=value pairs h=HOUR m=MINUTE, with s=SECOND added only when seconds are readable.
h=10 m=13 s=46
